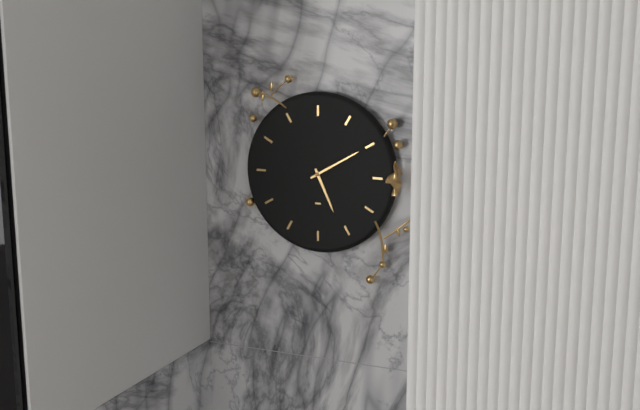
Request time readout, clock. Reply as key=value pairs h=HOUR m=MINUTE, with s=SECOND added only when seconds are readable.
h=5 m=10
